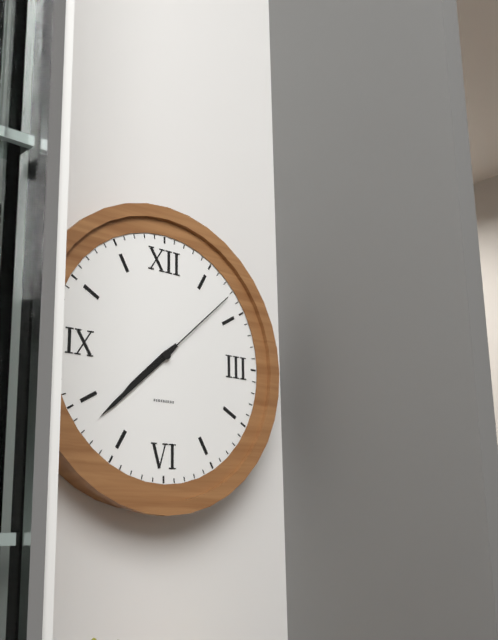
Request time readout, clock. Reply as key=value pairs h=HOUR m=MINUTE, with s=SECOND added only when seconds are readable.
h=7 m=38 s=8
